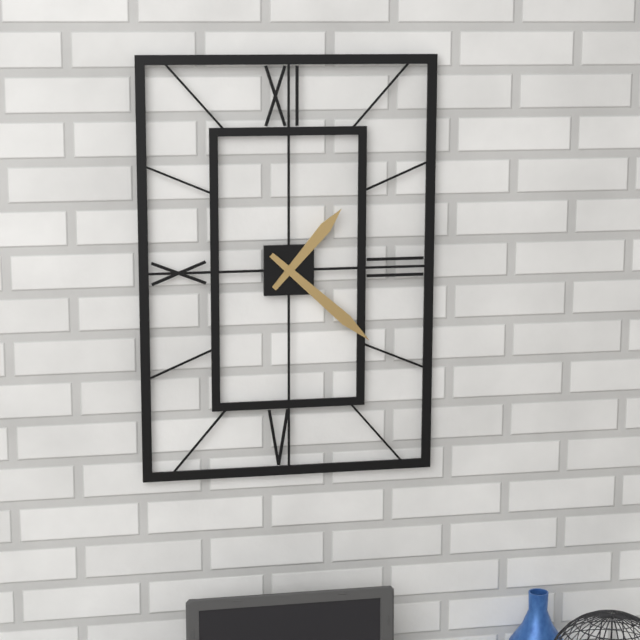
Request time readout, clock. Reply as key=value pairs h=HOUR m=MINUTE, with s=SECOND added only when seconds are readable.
h=1 m=22
